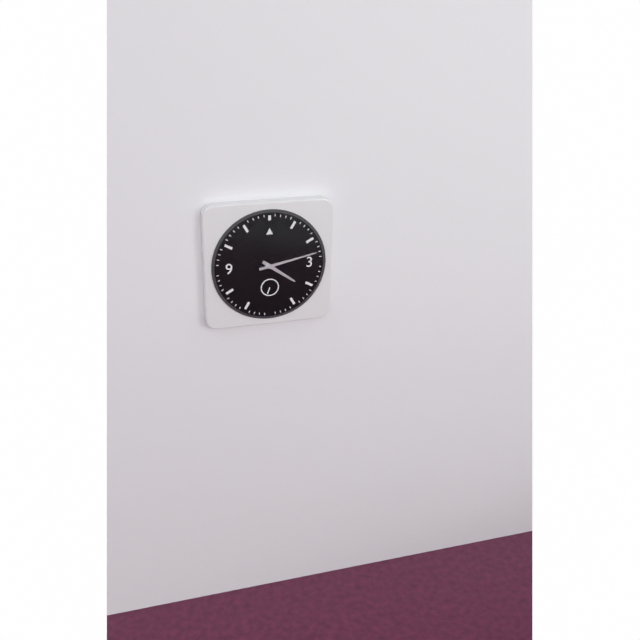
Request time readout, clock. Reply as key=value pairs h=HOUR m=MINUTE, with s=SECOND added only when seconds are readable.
h=4 m=13
